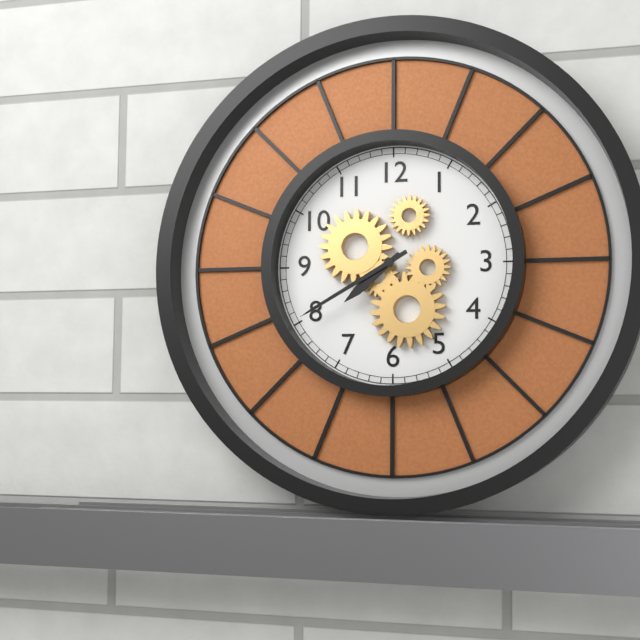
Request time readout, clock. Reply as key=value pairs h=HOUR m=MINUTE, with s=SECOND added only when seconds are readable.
h=7 m=40
